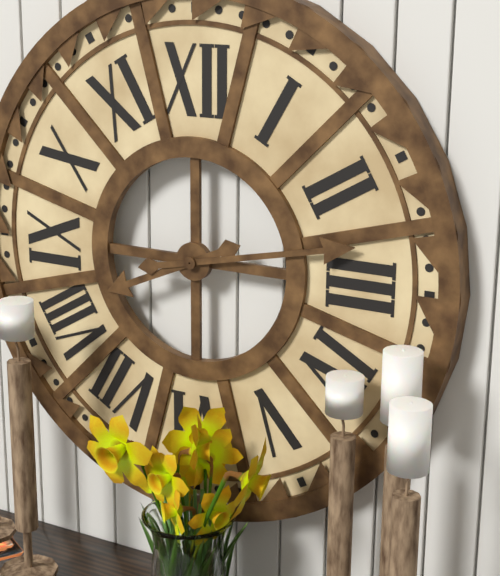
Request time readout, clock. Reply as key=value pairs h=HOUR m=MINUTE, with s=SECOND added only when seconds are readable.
h=8 m=13
